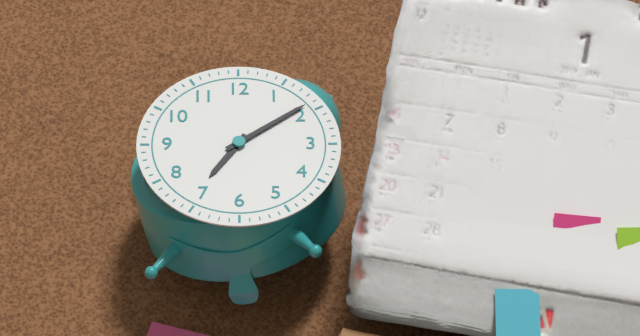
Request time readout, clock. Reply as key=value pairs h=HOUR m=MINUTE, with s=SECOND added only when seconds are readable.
h=7 m=9
